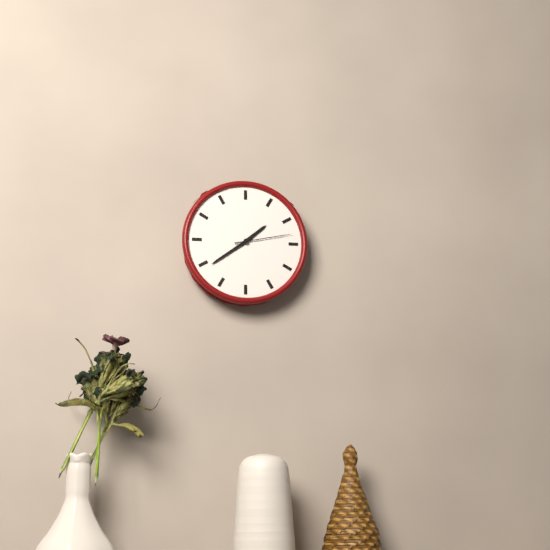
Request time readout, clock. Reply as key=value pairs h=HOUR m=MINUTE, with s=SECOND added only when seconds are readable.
h=1 m=39 s=13
